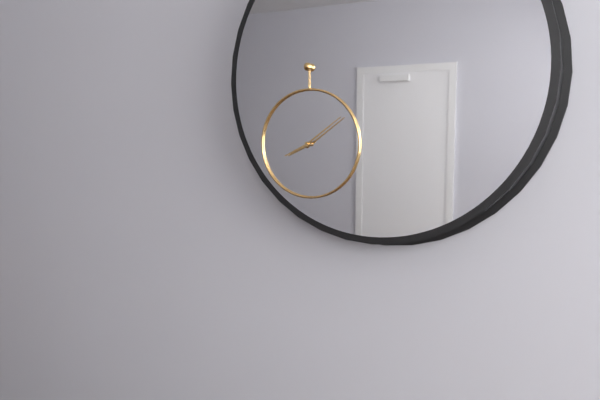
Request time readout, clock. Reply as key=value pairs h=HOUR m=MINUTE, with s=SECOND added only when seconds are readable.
h=8 m=9
